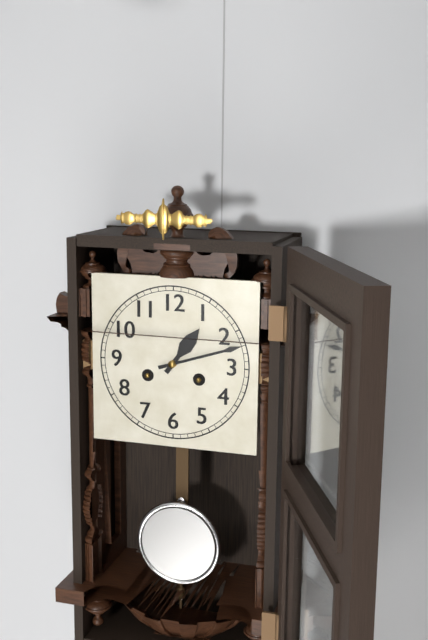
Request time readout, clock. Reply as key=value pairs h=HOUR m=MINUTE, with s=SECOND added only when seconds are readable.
h=1 m=12
